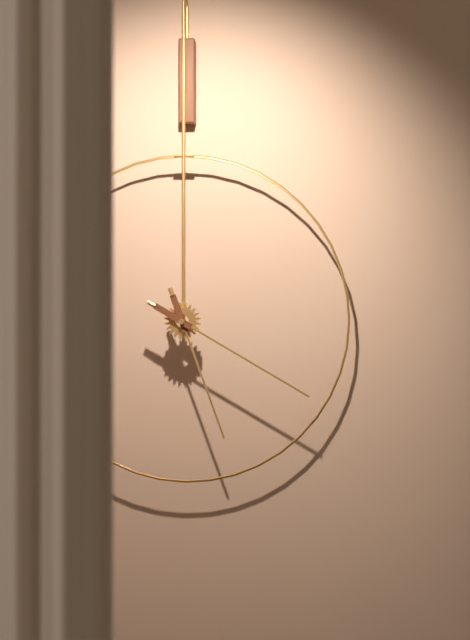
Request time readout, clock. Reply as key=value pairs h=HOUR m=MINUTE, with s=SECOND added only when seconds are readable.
h=5 m=20
